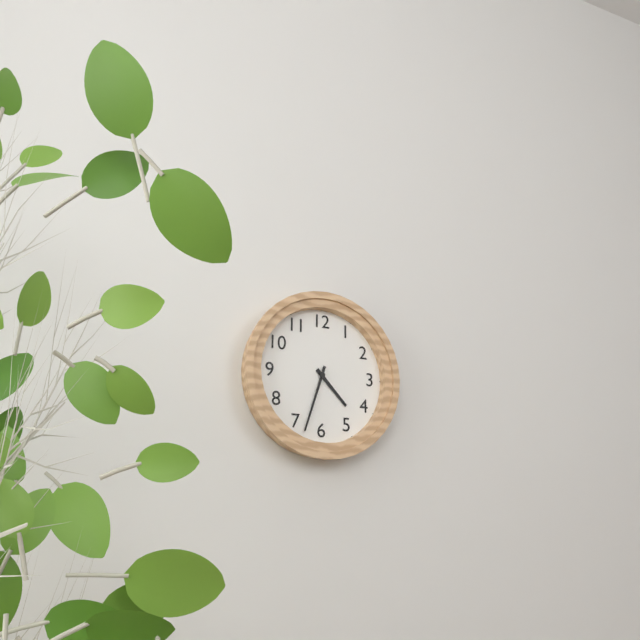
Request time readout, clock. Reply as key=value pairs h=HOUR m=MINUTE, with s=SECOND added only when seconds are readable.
h=4 m=33
